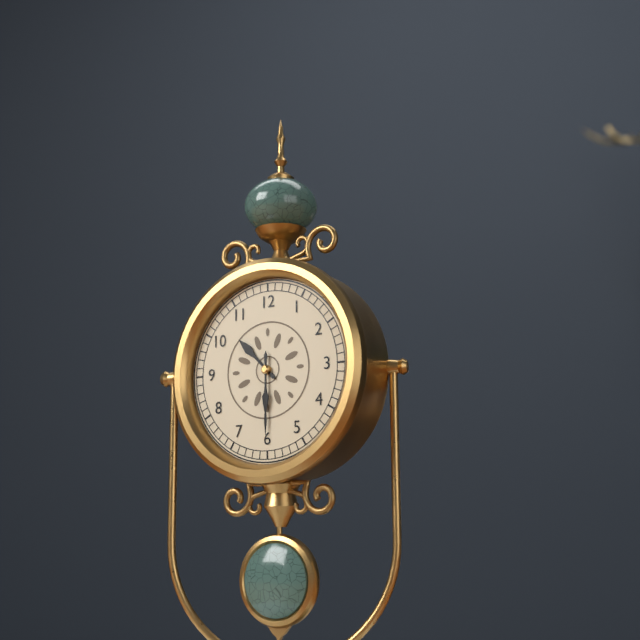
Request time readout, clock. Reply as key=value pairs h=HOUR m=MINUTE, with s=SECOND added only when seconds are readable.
h=10 m=30
